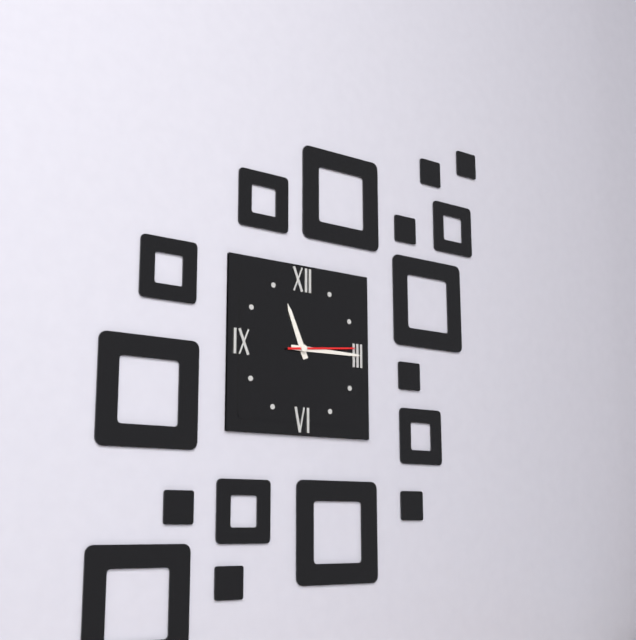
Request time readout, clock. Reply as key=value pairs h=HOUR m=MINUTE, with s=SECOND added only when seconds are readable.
h=11 m=15 s=14
